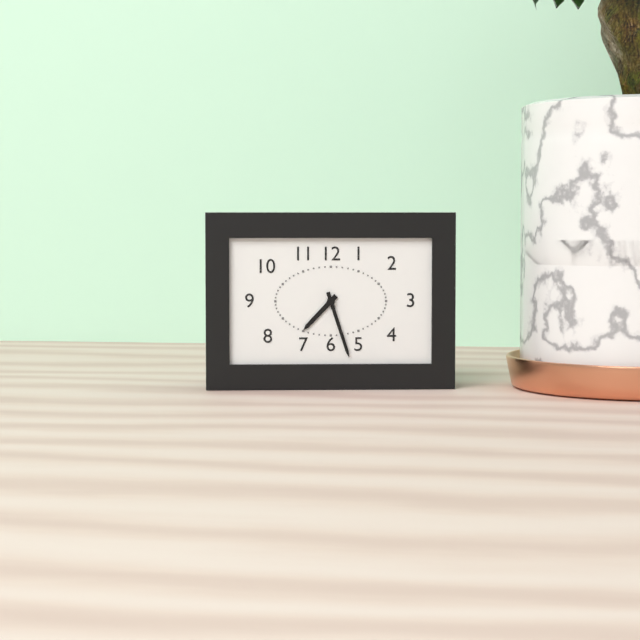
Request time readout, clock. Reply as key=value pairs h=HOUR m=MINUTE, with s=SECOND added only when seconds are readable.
h=7 m=27
